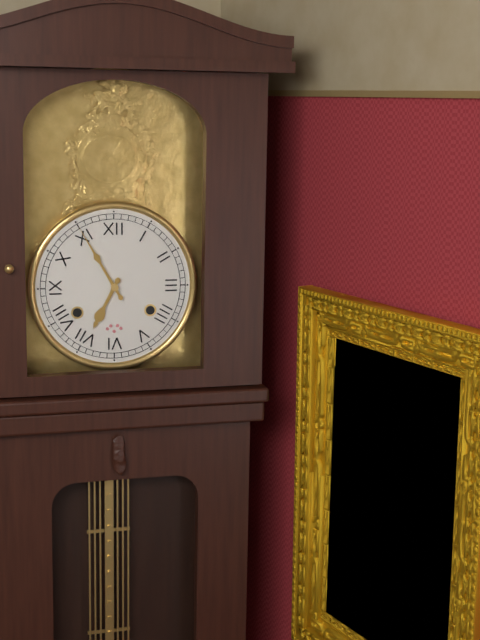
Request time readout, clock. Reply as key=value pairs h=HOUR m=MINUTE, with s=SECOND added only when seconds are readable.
h=6 m=55
